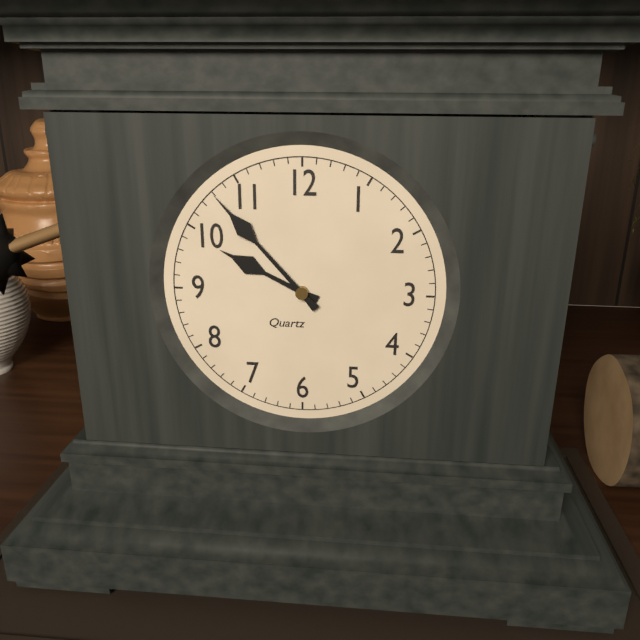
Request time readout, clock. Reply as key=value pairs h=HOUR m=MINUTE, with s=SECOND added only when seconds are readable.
h=9 m=53
